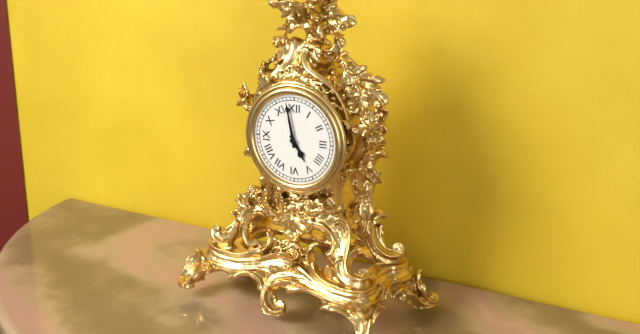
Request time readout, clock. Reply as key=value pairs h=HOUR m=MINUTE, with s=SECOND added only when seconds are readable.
h=4 m=58
